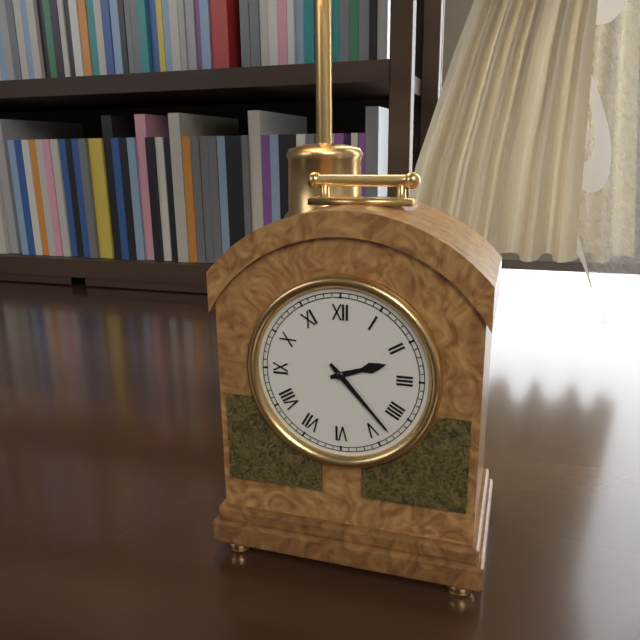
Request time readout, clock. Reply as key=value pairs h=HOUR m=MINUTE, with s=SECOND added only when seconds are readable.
h=2 m=23
